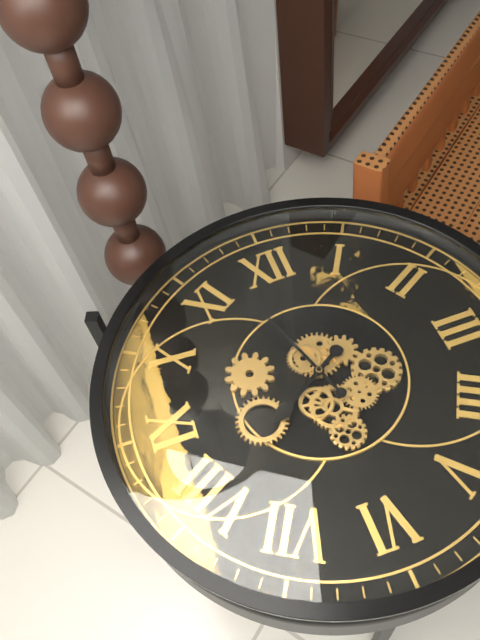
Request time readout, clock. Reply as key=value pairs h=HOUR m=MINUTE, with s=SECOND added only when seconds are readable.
h=7 m=57
